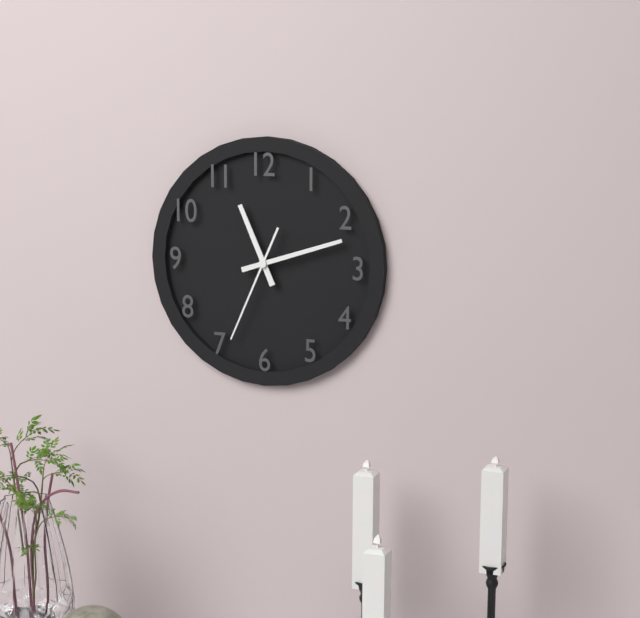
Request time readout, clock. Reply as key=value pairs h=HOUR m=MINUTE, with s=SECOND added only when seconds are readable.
h=11 m=12 s=34
